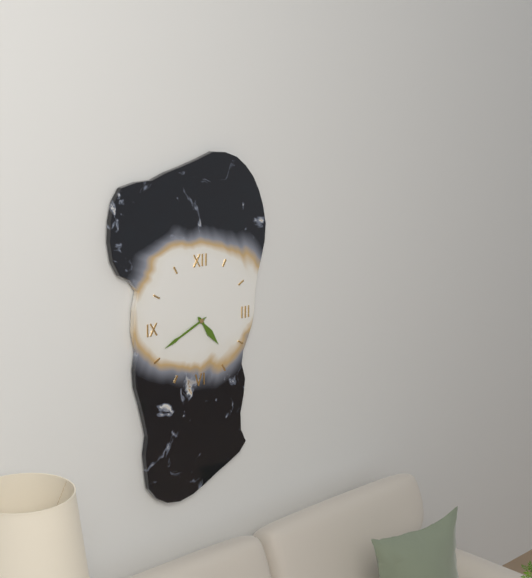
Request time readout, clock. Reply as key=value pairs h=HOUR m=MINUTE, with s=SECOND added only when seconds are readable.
h=4 m=41
